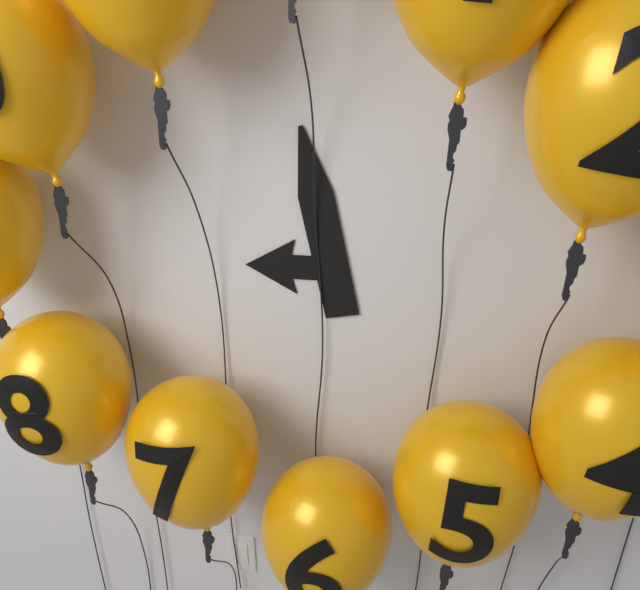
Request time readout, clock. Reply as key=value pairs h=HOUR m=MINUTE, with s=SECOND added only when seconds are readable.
h=8 m=58
